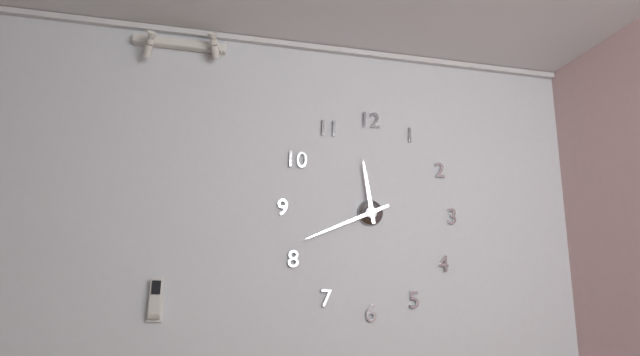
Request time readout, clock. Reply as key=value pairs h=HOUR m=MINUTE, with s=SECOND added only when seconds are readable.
h=11 m=41
